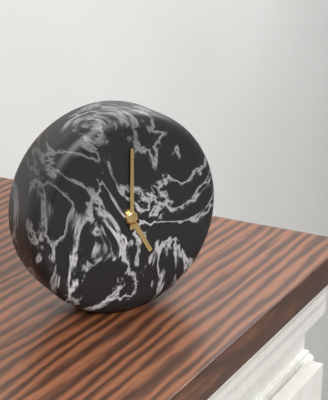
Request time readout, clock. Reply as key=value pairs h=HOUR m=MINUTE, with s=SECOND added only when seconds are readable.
h=5 m=0
